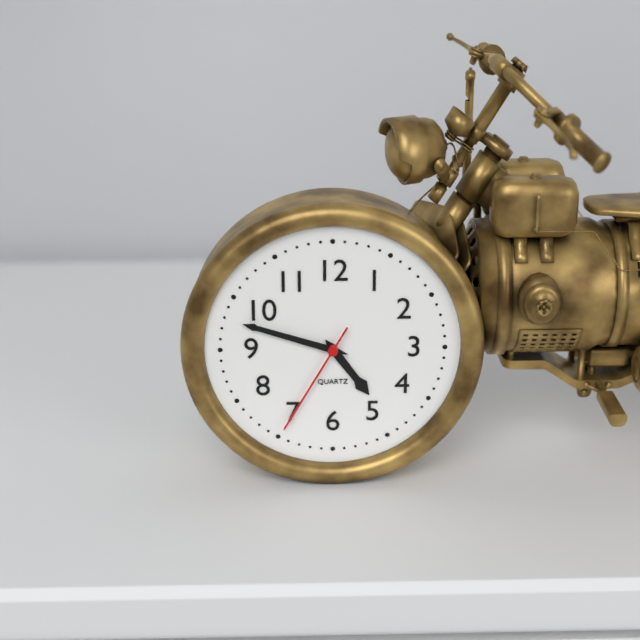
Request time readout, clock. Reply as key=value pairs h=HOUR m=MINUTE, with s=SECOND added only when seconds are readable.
h=4 m=48 s=35
